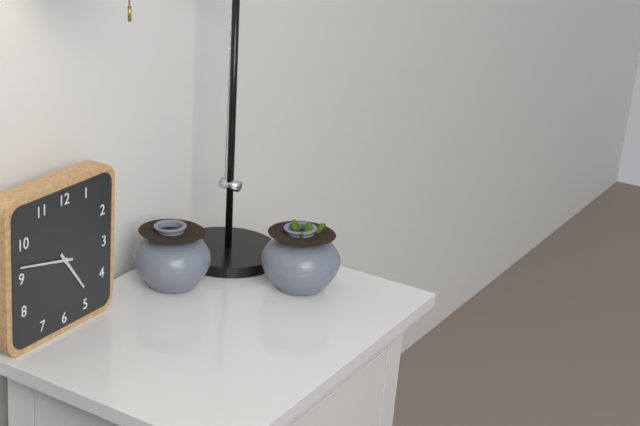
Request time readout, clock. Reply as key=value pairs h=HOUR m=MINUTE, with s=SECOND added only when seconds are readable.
h=4 m=47
